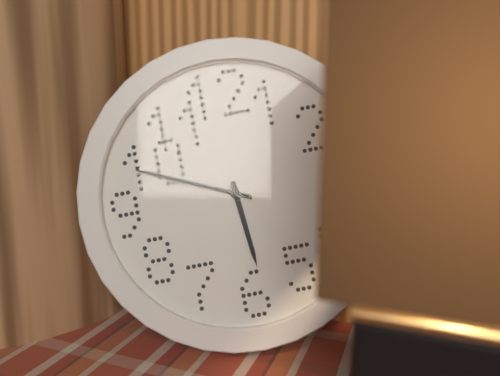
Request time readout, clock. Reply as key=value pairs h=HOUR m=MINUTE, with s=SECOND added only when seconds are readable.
h=5 m=49
